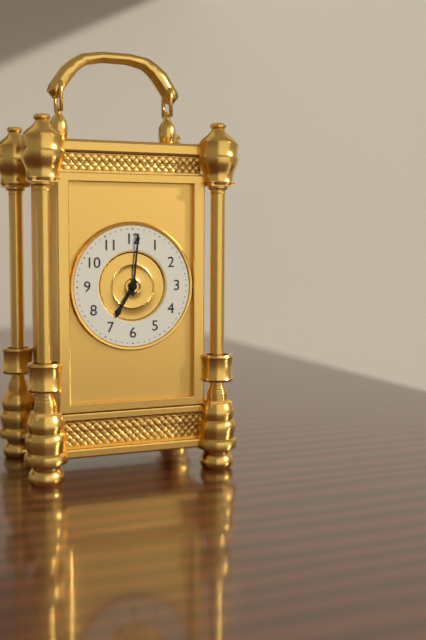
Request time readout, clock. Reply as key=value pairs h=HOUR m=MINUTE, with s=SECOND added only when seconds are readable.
h=7 m=1
